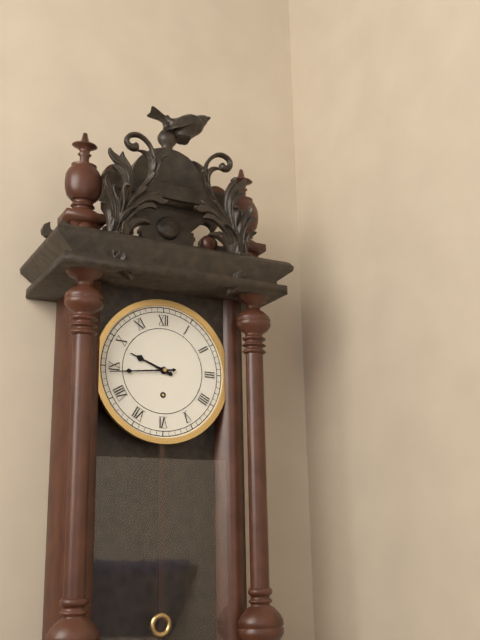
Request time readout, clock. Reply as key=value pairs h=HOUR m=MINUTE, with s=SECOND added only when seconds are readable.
h=9 m=44
